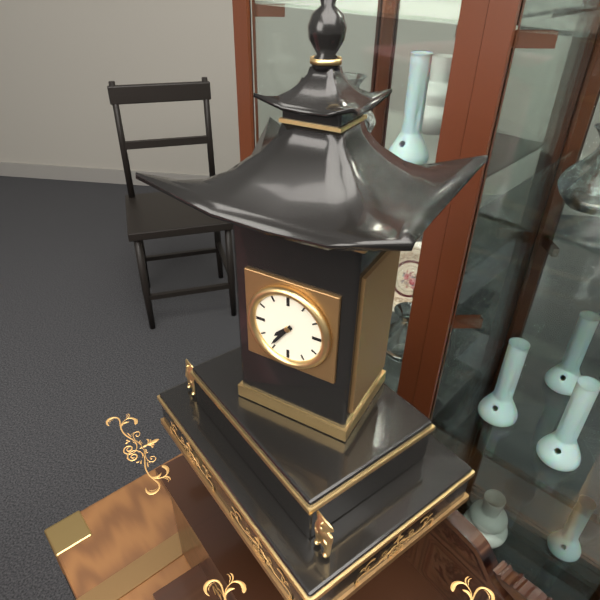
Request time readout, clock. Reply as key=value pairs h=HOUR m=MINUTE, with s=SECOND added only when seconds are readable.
h=7 m=36
